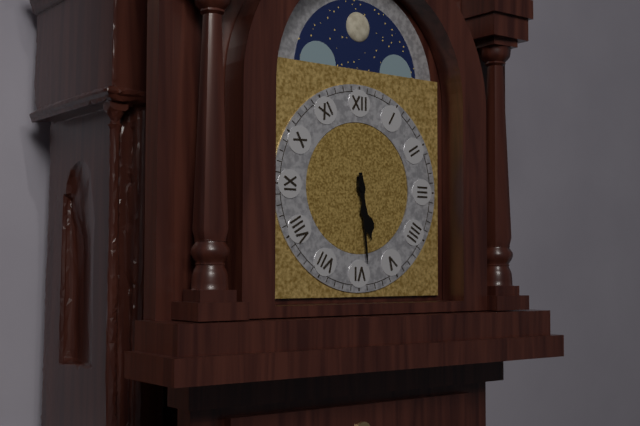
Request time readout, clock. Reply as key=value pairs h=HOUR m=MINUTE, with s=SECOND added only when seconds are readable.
h=5 m=29
